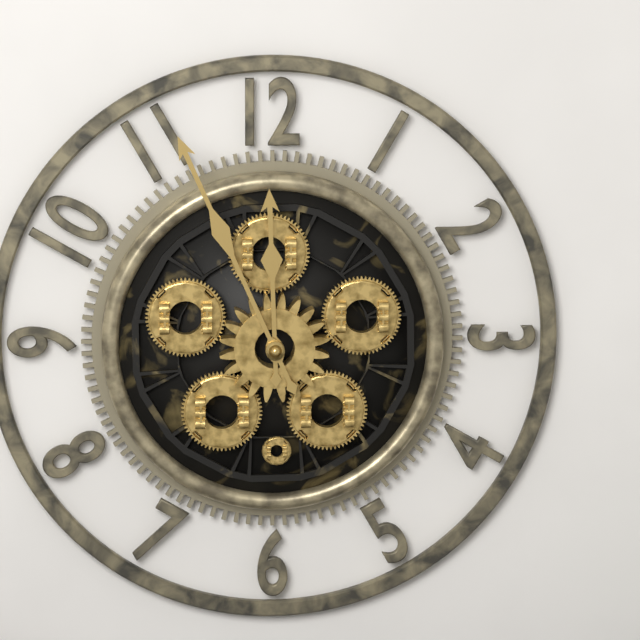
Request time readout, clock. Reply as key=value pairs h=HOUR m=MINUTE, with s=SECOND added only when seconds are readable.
h=11 m=56
